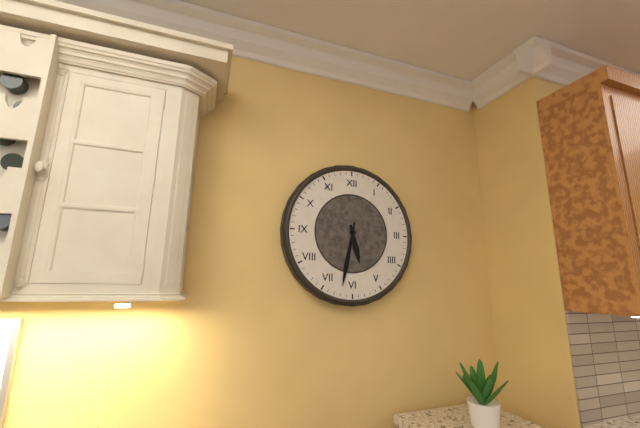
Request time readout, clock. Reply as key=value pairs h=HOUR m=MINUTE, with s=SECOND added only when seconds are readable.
h=5 m=32
